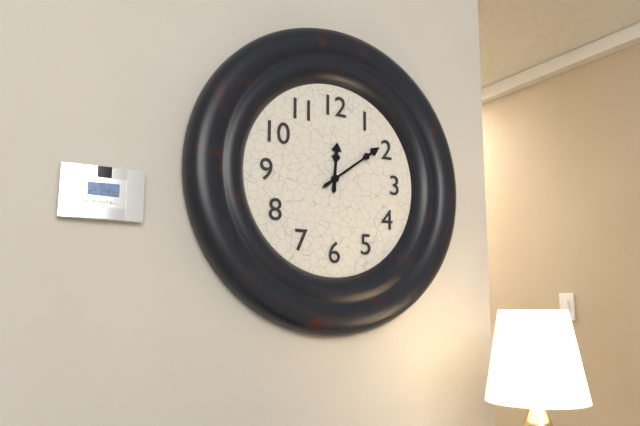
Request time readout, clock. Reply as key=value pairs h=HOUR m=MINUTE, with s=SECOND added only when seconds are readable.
h=12 m=9
